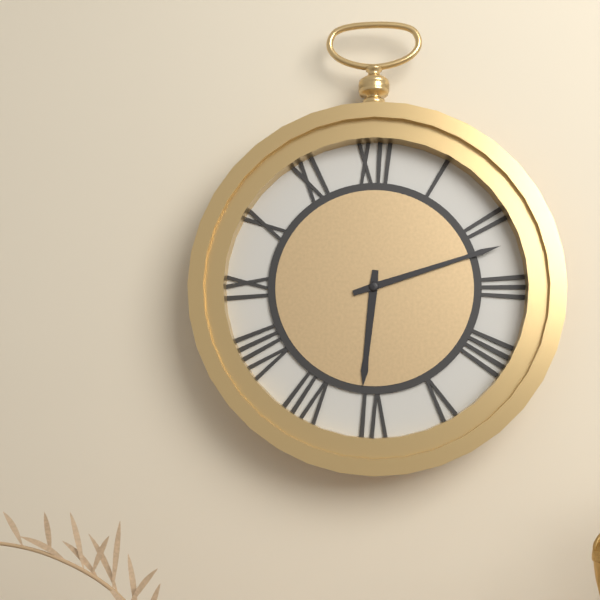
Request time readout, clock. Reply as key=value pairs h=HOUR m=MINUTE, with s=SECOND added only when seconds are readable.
h=6 m=12
